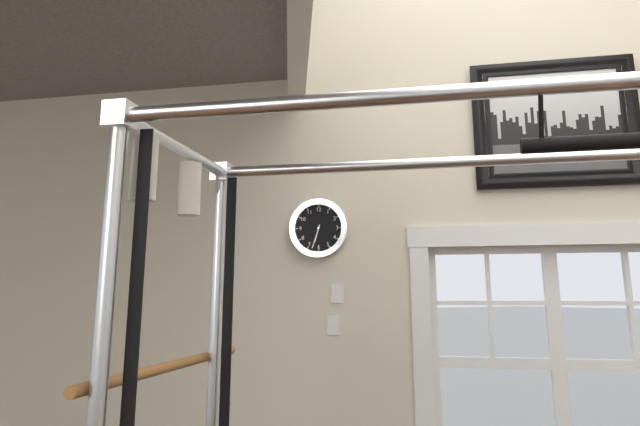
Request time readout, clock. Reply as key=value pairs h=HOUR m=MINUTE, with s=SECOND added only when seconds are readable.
h=6 m=33
